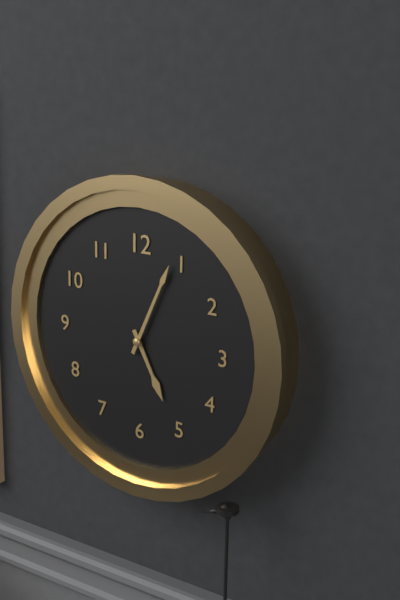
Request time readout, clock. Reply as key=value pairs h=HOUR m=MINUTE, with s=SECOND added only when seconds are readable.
h=5 m=4
